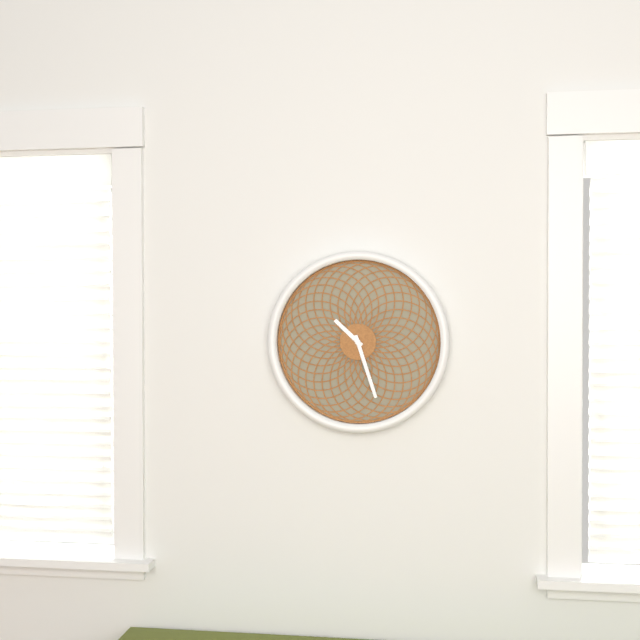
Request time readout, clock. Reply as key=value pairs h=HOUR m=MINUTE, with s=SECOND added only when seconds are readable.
h=10 m=27
